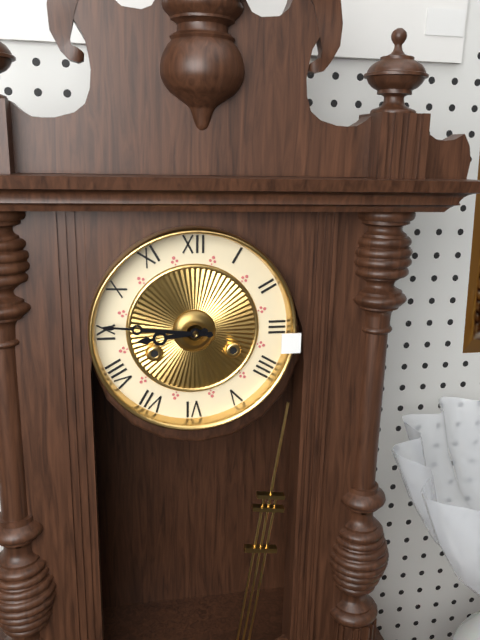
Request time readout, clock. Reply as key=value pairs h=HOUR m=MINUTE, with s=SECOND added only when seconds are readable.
h=8 m=46
